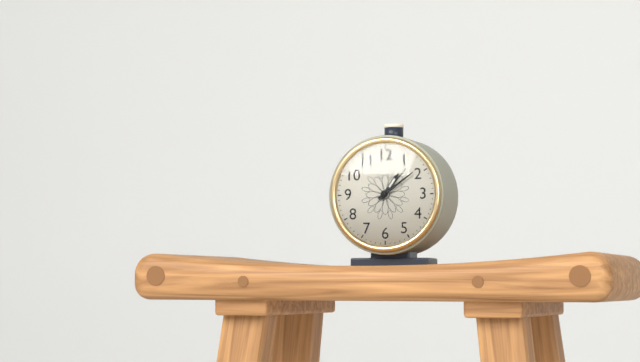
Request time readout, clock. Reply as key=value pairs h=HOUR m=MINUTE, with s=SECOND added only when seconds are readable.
h=1 m=9
